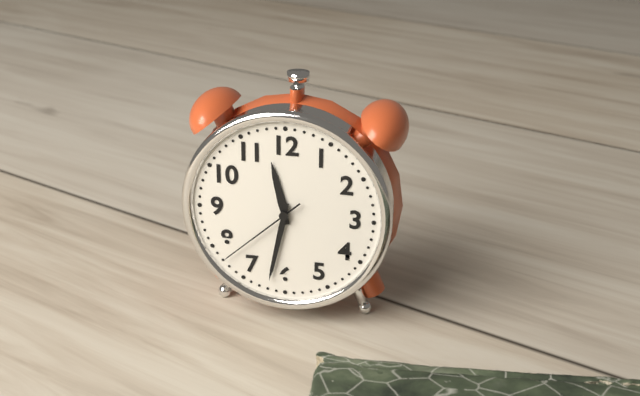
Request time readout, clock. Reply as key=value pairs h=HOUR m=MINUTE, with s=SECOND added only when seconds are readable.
h=11 m=32 s=38
